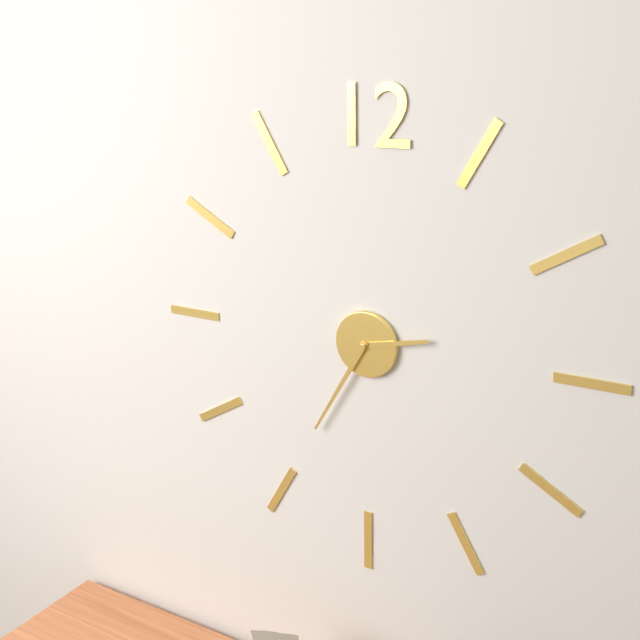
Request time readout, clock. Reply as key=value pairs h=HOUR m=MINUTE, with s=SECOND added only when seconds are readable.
h=2 m=35
